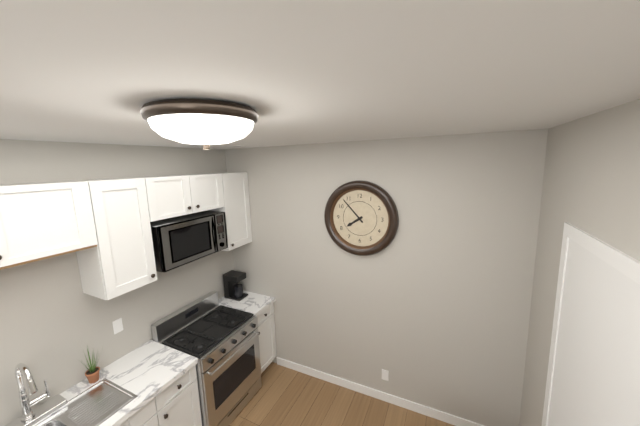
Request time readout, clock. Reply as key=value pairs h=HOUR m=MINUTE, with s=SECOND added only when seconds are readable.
h=7 m=53
